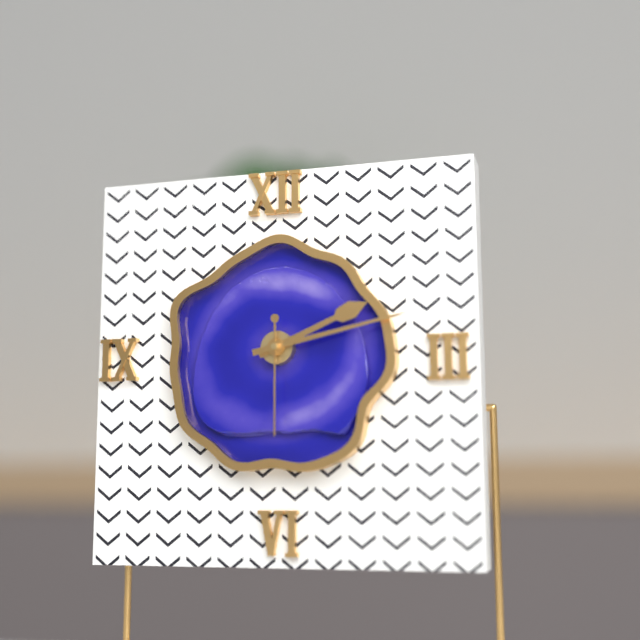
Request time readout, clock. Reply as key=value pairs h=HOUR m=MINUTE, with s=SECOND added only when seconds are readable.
h=2 m=13 s=30
